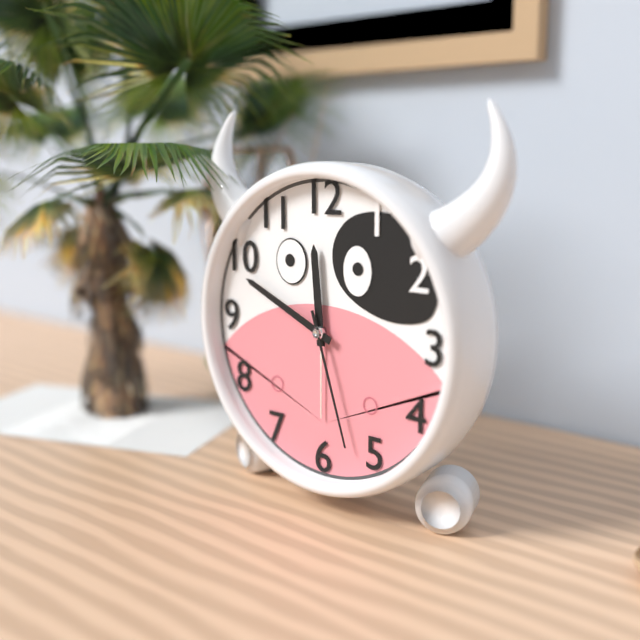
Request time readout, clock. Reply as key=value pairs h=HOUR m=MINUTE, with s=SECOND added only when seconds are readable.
h=11 m=49 s=27
